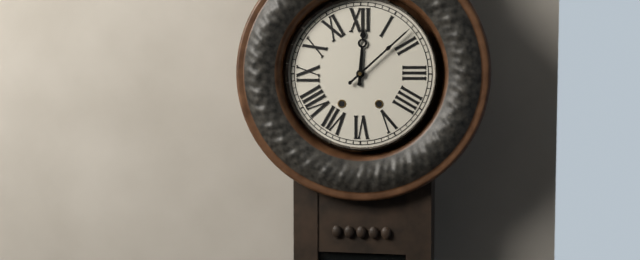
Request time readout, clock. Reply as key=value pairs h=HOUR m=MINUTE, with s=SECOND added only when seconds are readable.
h=12 m=8
